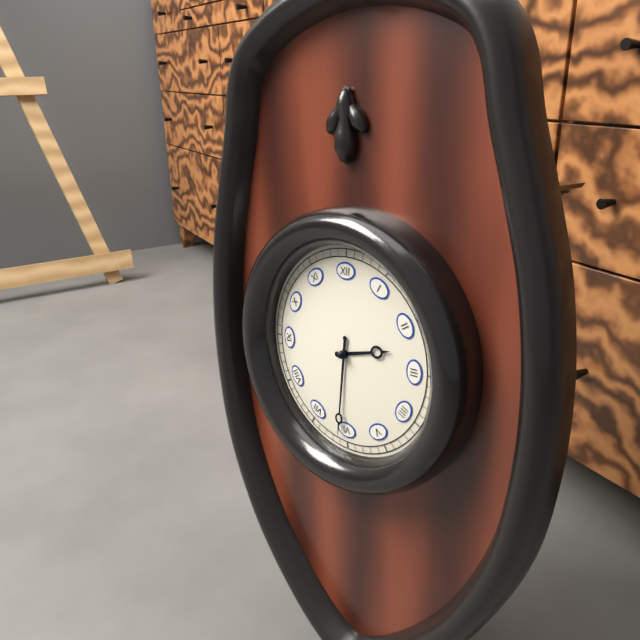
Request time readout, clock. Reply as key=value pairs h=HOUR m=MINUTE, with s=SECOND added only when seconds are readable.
h=2 m=31
